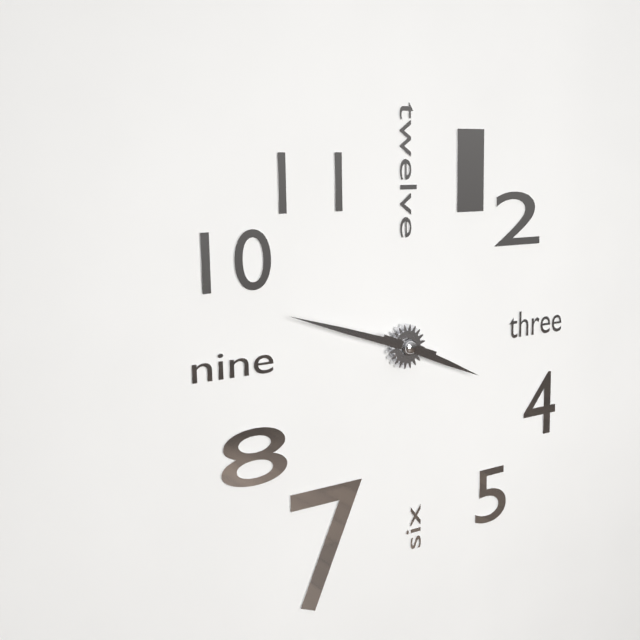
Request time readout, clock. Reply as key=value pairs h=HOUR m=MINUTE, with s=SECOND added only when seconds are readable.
h=3 m=48
